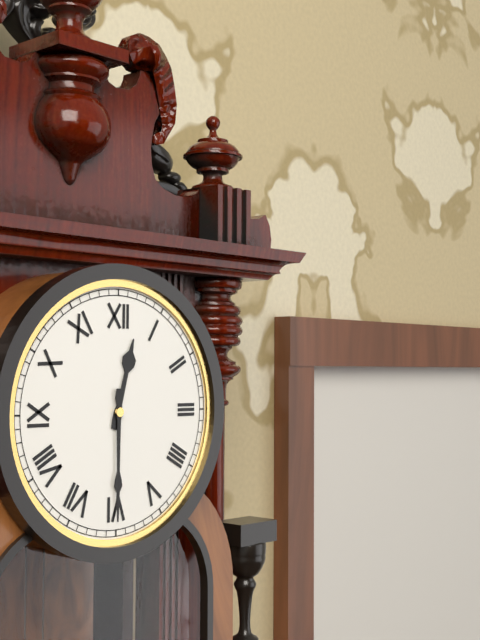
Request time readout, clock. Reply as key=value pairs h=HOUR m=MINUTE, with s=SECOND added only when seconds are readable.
h=12 m=30
